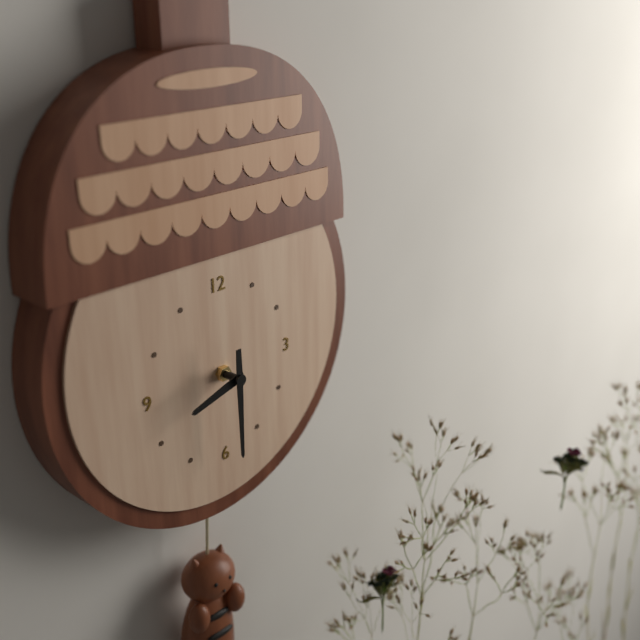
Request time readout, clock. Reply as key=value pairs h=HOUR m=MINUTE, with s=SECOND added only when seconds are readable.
h=8 m=30
